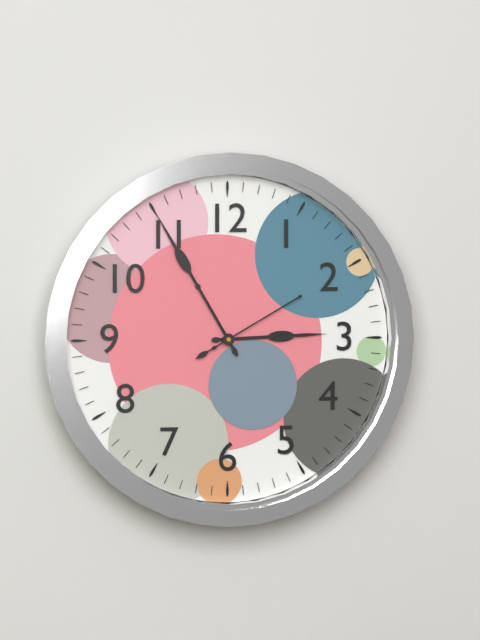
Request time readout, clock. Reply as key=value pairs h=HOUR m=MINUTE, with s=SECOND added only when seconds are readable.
h=2 m=55 s=10
